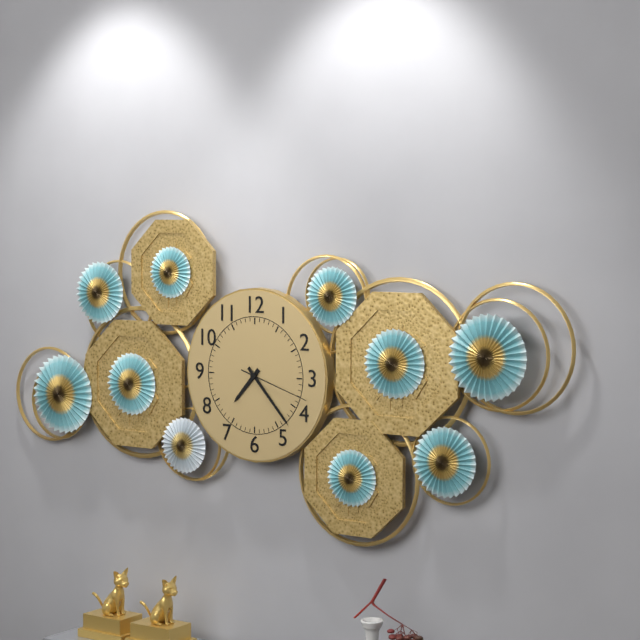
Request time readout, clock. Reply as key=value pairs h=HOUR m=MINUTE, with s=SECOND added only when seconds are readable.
h=7 m=23 s=18
